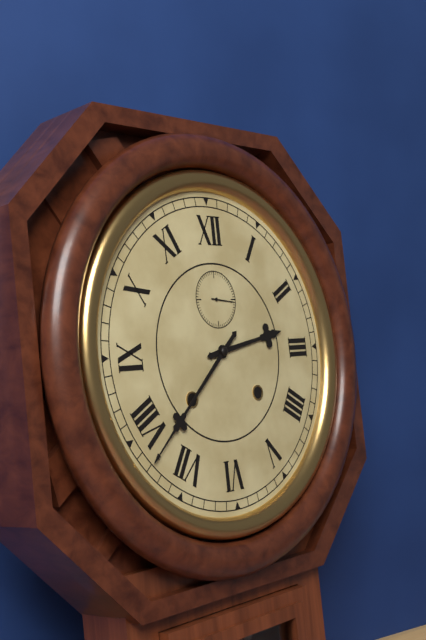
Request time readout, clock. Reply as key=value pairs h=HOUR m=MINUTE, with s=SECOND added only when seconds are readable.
h=2 m=38
